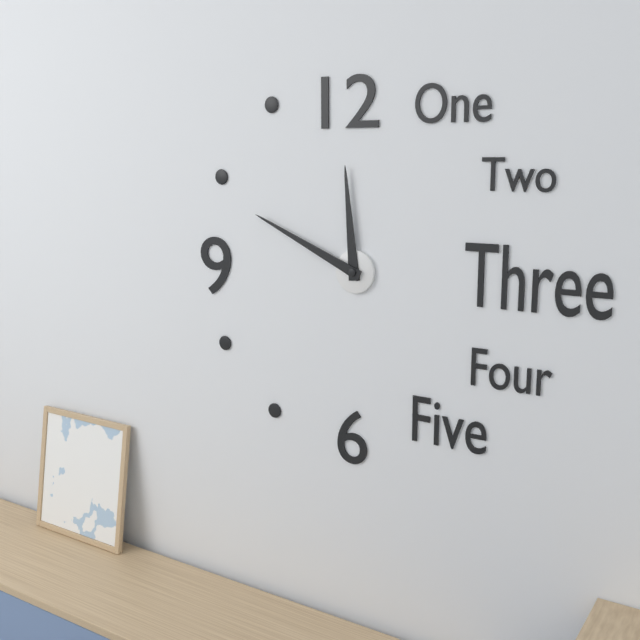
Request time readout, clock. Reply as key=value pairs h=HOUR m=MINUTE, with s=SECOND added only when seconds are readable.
h=11 m=49
